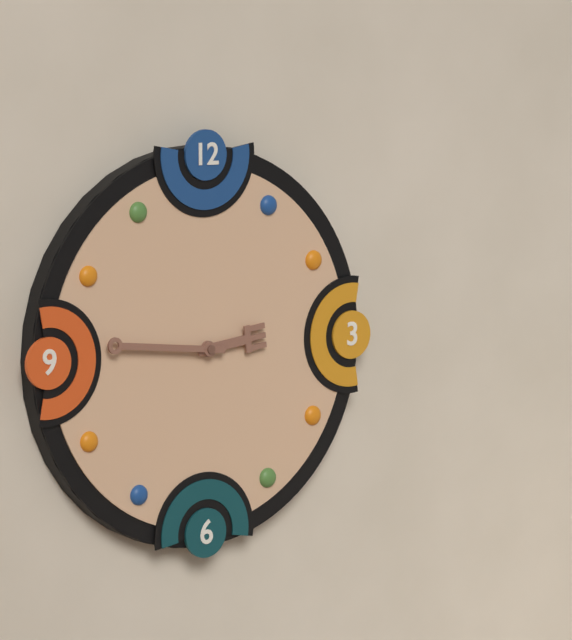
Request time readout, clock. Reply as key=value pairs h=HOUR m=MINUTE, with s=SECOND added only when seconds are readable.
h=2 m=46
